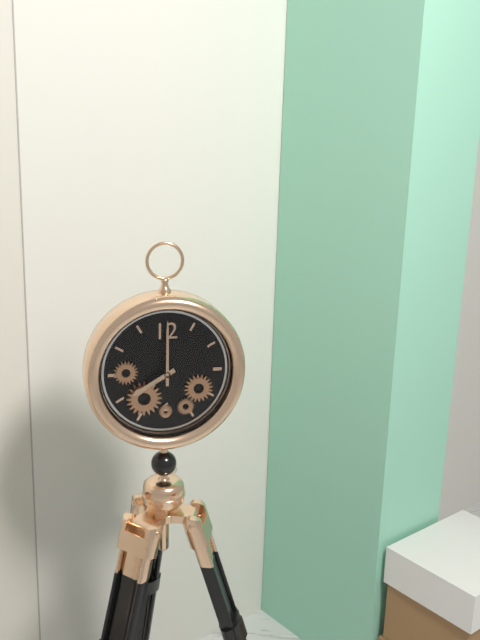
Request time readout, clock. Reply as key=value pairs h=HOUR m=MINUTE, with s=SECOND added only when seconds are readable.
h=8 m=0
